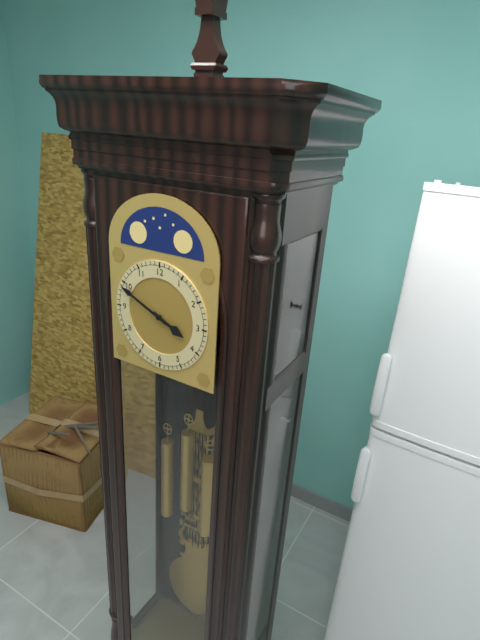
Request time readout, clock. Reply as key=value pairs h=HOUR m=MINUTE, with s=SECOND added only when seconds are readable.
h=3 m=49
